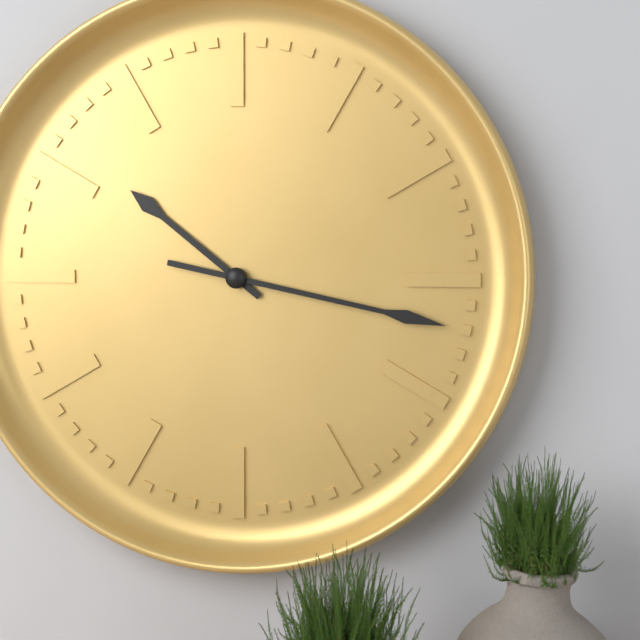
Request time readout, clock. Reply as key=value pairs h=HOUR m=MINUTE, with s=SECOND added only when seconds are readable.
h=10 m=17
